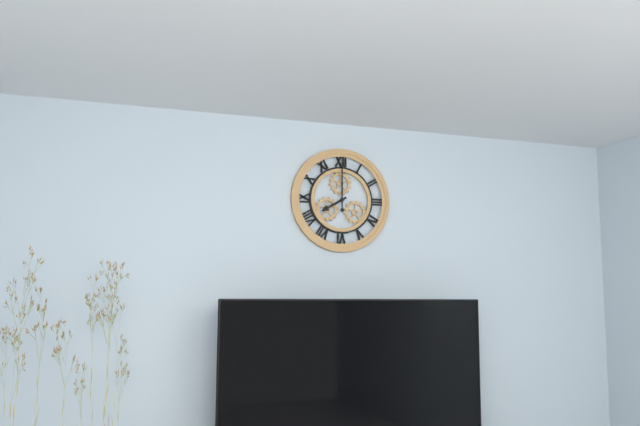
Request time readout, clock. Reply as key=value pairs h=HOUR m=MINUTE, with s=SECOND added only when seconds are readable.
h=8 m=0
